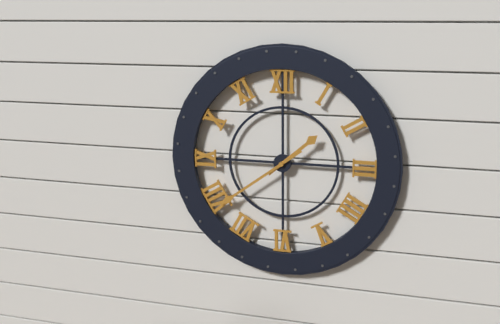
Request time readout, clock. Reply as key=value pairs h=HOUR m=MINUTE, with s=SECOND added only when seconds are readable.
h=1 m=39
